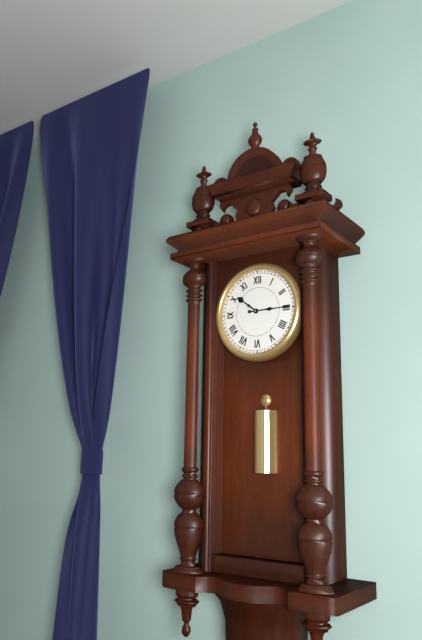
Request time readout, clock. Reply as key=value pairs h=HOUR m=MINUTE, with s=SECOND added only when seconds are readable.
h=10 m=15
